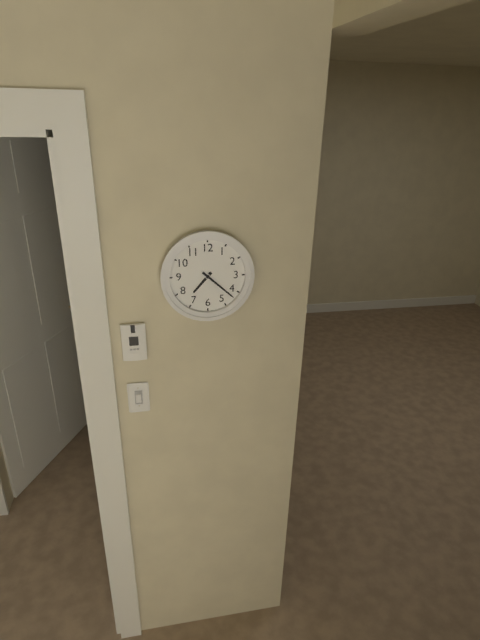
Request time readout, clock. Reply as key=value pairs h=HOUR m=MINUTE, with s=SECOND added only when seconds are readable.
h=7 m=22
